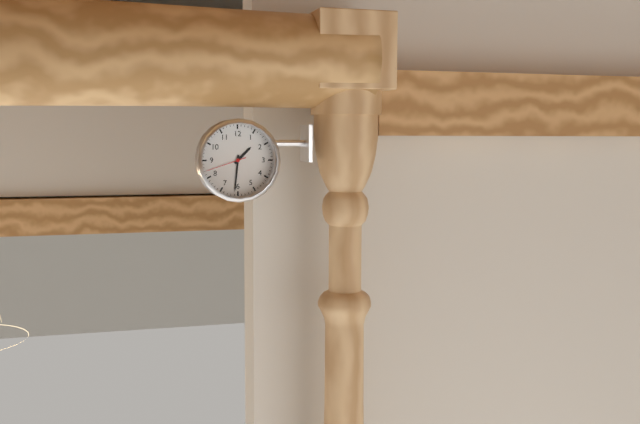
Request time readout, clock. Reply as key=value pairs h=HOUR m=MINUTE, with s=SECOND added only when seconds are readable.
h=1 m=31
